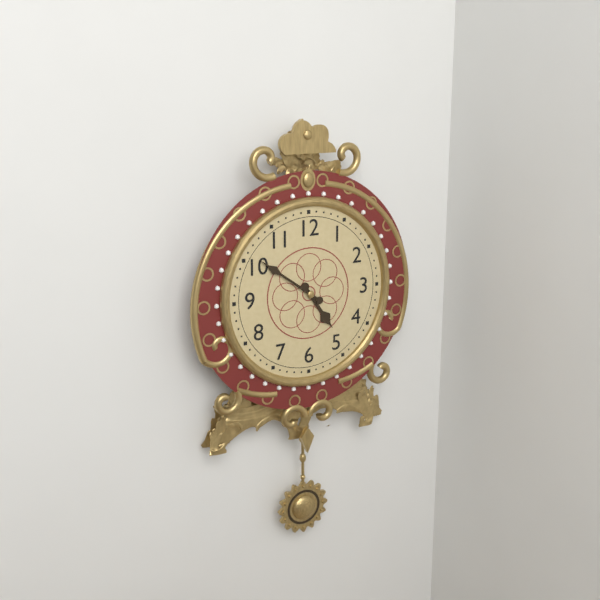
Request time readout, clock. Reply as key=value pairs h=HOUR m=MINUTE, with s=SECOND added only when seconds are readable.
h=4 m=51
